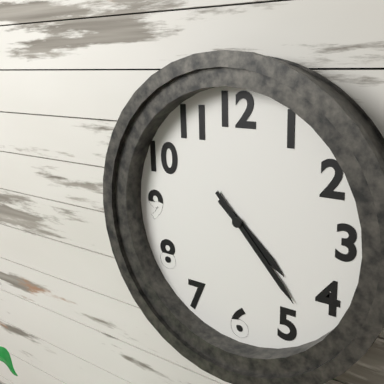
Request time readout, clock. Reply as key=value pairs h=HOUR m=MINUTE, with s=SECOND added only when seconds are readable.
h=4 m=23
